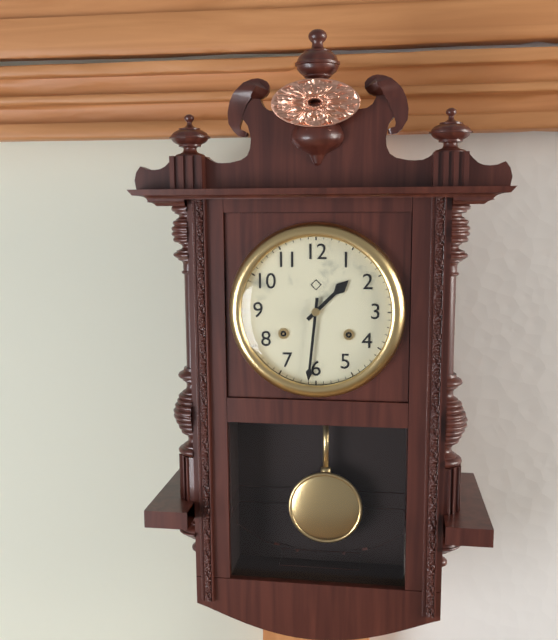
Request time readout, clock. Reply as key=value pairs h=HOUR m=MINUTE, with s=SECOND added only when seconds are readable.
h=1 m=31
